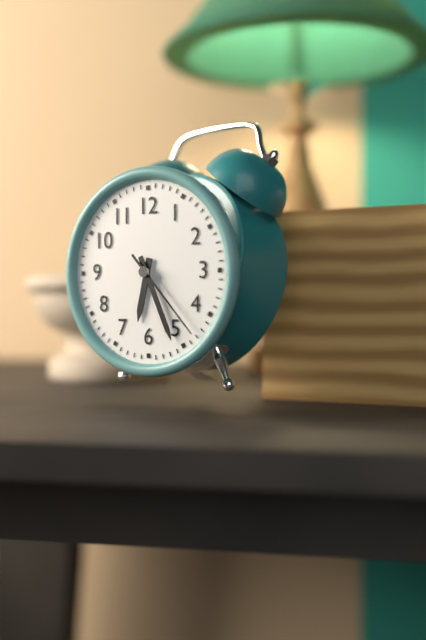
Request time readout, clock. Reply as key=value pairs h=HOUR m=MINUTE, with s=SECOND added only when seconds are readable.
h=6 m=26 s=23
